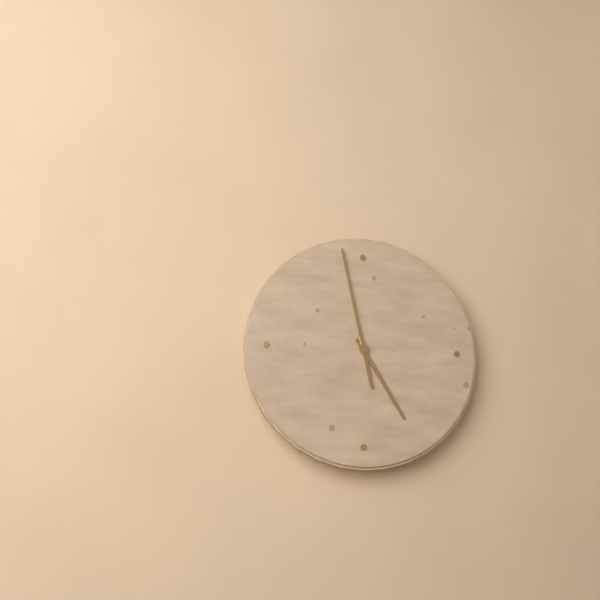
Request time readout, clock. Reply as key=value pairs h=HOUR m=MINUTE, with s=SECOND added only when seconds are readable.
h=4 m=58
